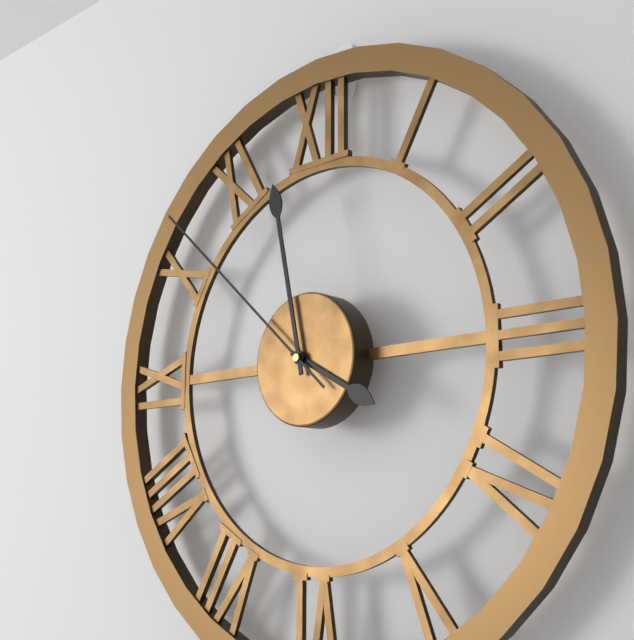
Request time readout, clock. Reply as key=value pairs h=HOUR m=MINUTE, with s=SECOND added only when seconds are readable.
h=3 m=58 s=52
